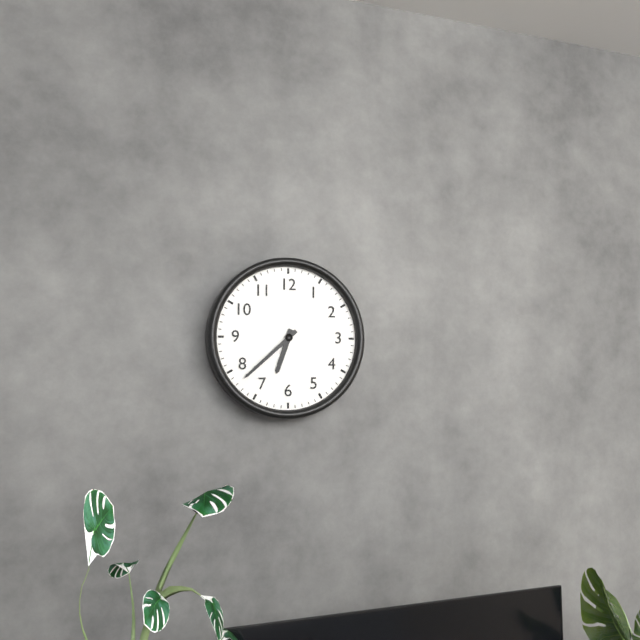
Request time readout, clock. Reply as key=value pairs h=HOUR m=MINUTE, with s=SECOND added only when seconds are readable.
h=6 m=38
